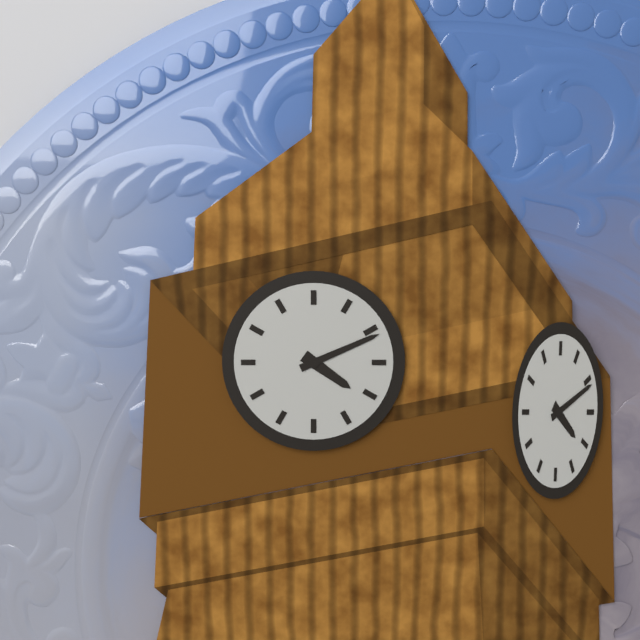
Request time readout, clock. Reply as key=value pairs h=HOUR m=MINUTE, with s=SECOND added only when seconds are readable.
h=4 m=11
